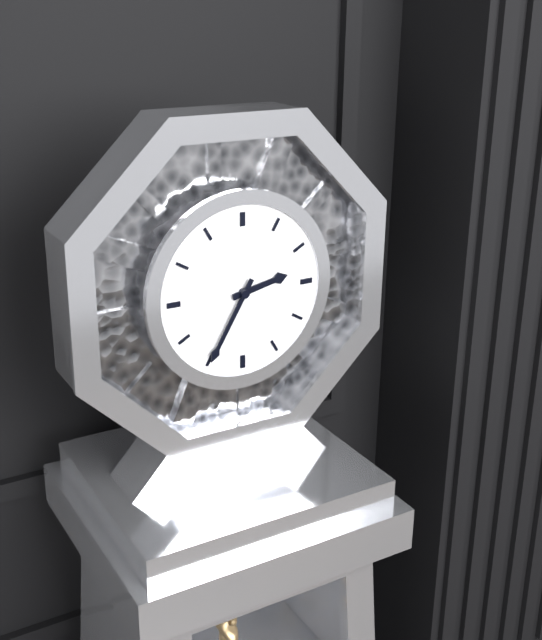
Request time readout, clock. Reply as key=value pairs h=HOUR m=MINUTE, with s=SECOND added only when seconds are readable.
h=2 m=35
